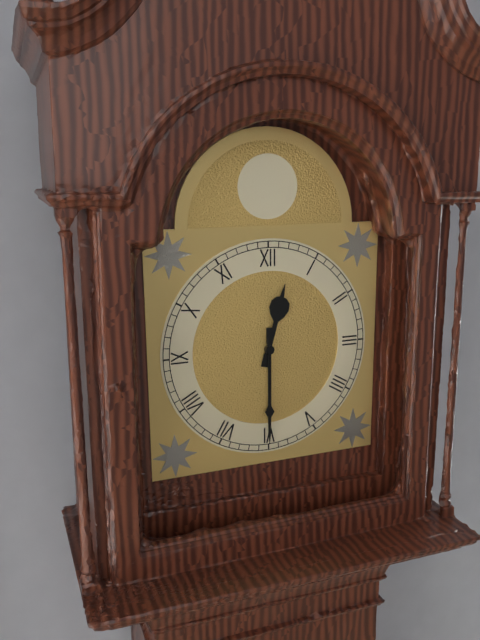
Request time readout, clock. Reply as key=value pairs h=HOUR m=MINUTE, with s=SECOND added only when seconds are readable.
h=12 m=30
